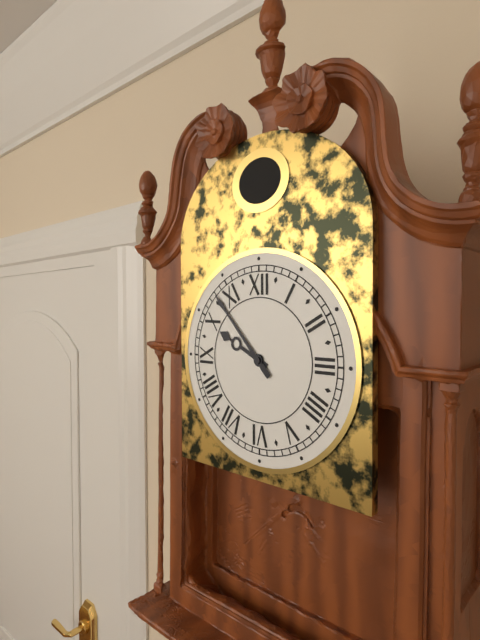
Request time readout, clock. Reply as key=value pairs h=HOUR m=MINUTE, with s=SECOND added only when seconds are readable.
h=9 m=53
